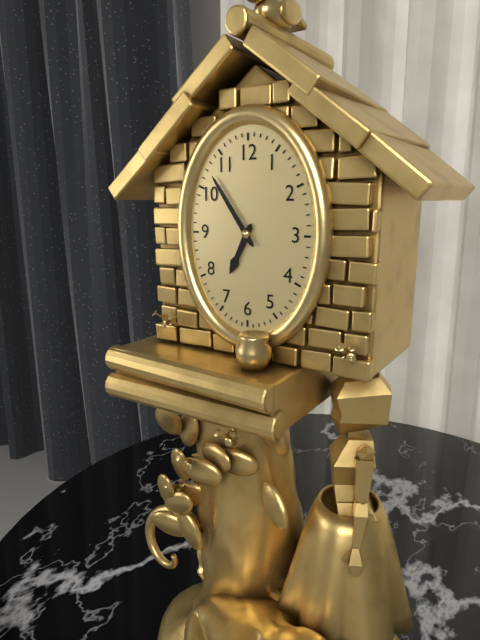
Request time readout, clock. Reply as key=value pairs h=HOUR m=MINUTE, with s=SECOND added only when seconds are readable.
h=6 m=54
